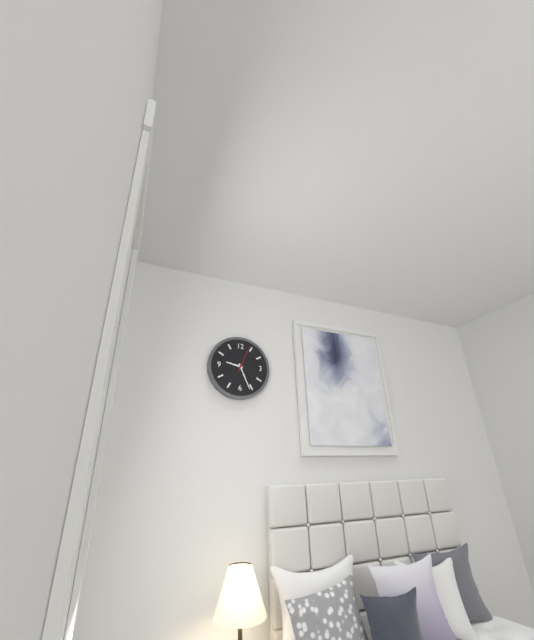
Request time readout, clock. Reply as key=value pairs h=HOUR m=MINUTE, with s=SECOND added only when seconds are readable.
h=9 m=26
